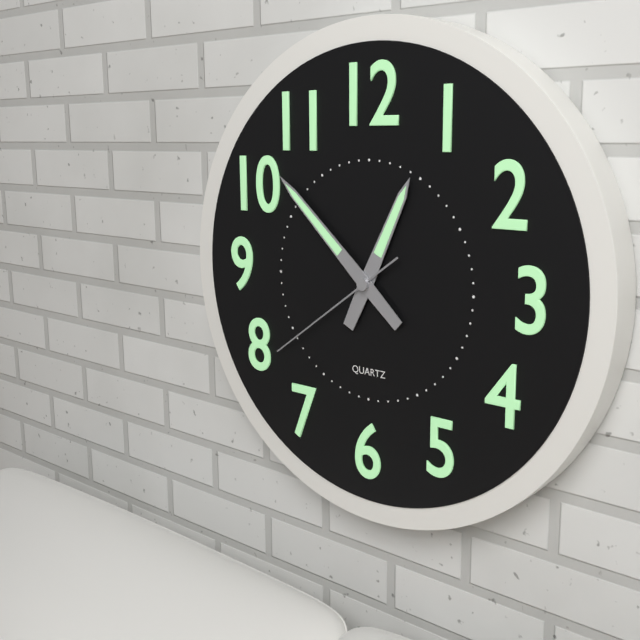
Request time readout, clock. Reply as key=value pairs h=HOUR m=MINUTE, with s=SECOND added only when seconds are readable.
h=12 m=52 s=39
